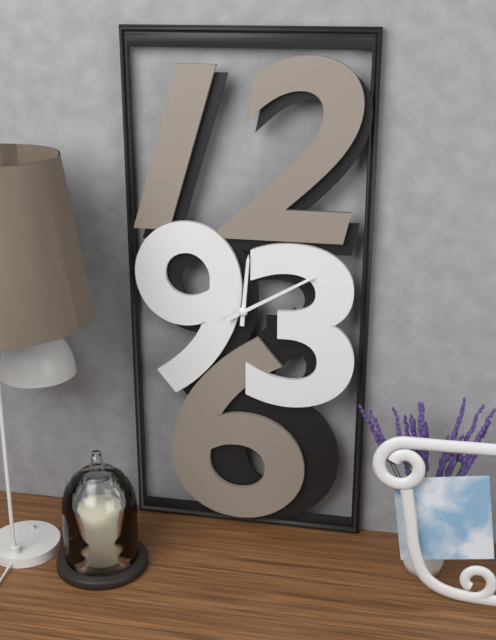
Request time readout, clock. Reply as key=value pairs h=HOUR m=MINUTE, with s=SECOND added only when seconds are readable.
h=12 m=10
